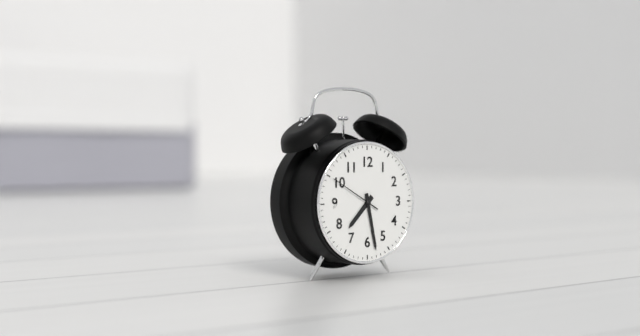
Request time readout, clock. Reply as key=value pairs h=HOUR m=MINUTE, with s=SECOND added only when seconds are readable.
h=7 m=28 s=50
